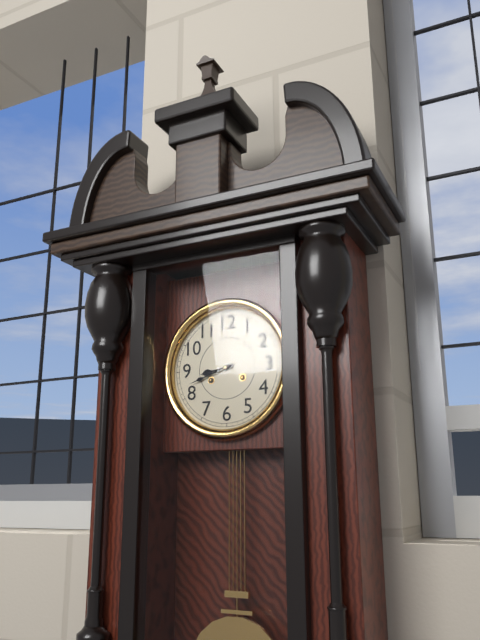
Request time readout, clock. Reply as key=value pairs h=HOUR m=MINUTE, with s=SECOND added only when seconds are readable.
h=8 m=42
